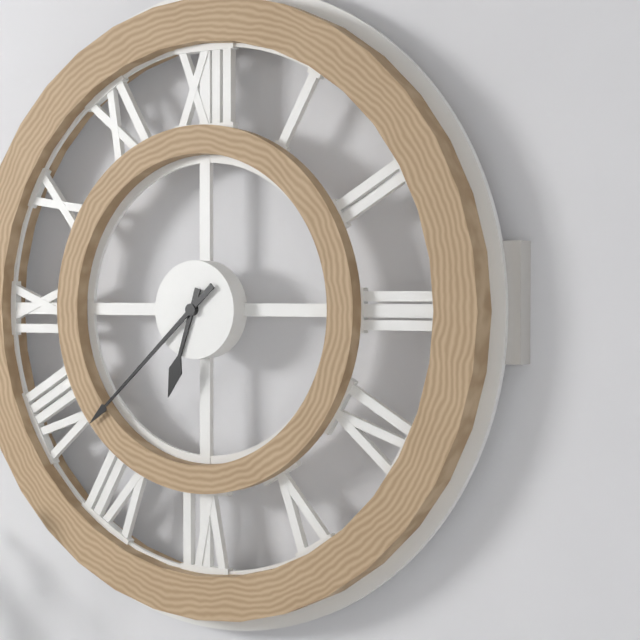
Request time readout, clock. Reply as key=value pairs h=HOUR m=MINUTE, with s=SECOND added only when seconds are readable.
h=6 m=38
